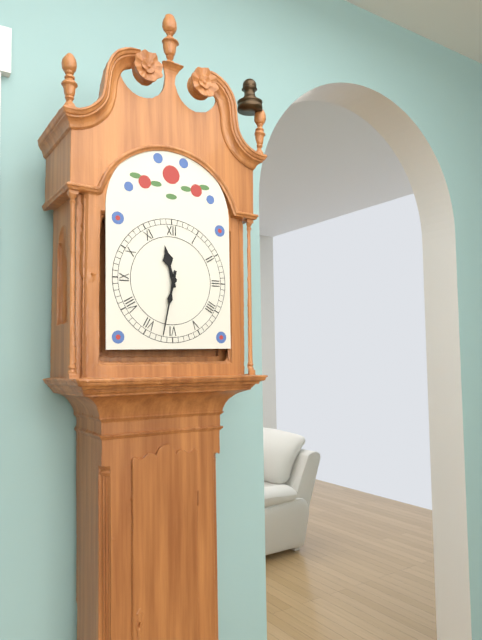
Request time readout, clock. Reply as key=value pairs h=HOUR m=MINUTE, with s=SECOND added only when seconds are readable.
h=11 m=32
